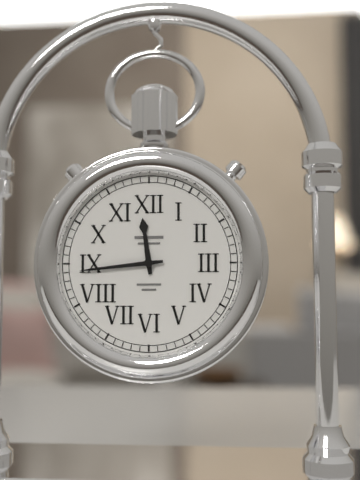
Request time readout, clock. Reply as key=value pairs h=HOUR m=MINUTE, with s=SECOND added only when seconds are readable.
h=11 m=44
